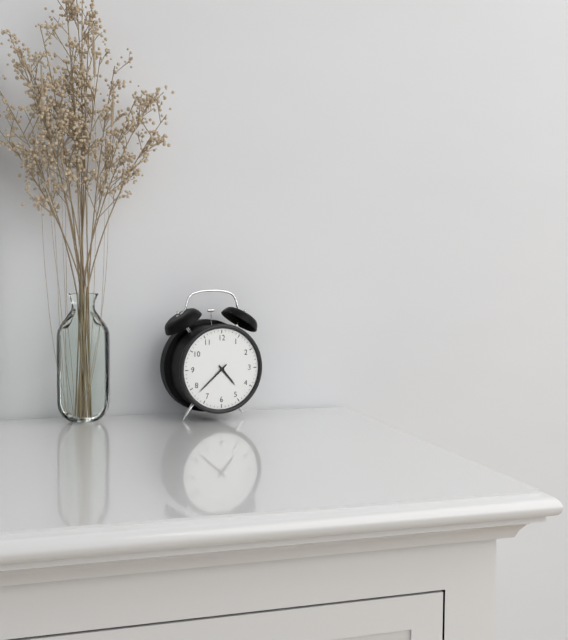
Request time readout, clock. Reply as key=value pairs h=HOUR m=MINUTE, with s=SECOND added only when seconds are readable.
h=4 m=38
